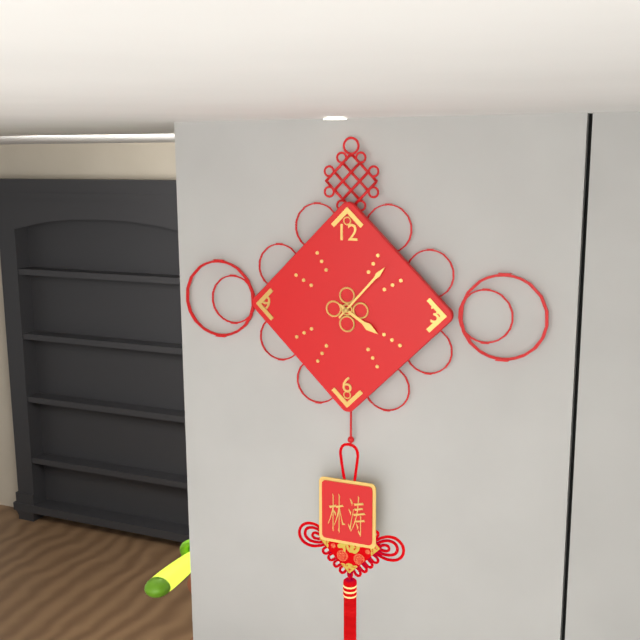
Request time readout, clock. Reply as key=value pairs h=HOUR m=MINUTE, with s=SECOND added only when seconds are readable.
h=4 m=7
